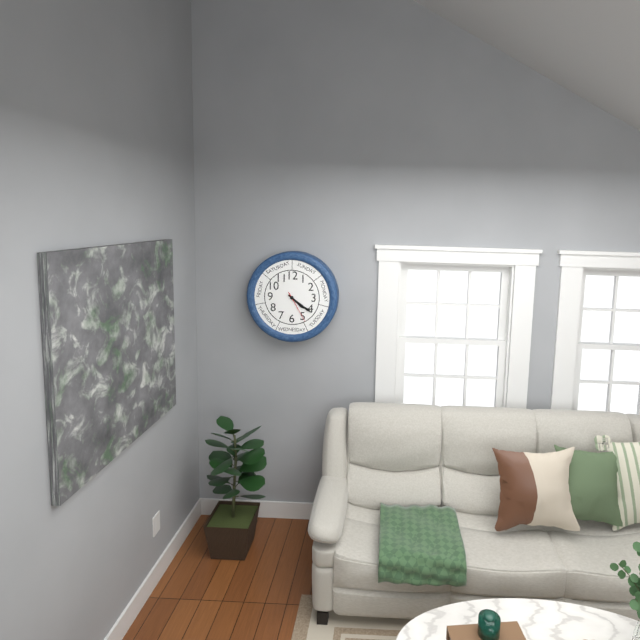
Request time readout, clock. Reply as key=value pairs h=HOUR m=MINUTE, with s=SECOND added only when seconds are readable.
h=4 m=21
